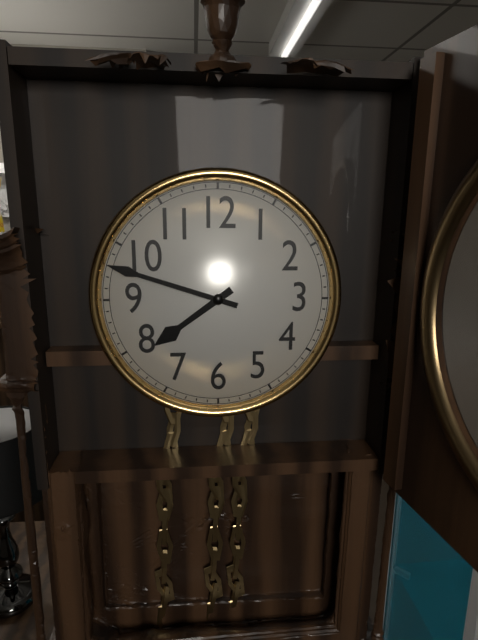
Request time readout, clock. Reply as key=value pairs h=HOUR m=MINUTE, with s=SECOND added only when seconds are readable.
h=7 m=48
